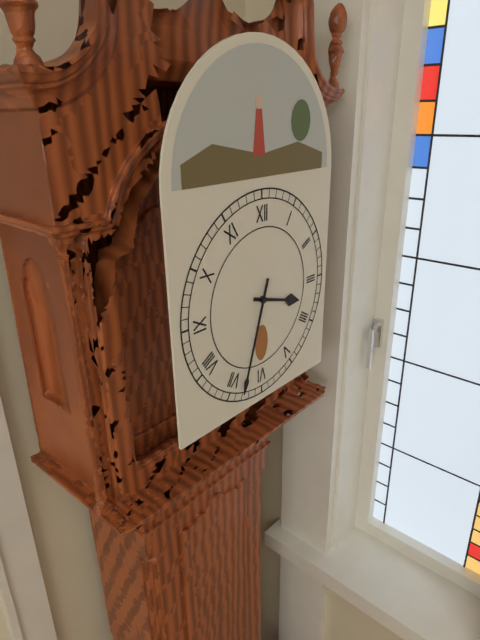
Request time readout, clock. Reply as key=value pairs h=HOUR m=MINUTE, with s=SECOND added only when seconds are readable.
h=3 m=33
